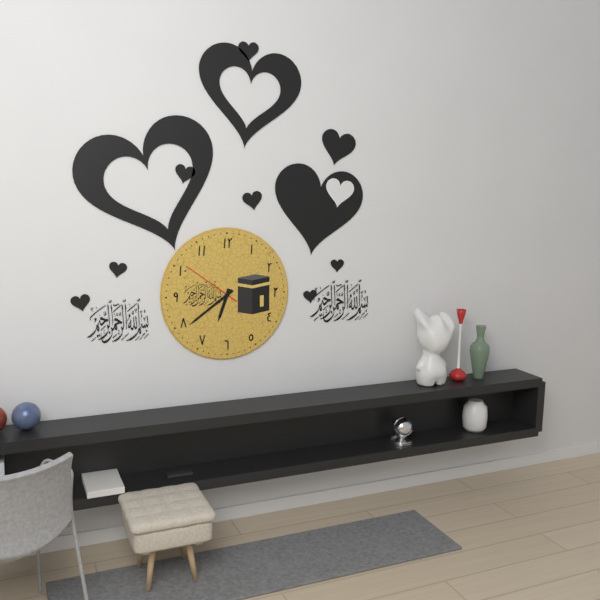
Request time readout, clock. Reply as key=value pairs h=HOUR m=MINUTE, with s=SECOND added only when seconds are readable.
h=6 m=39 s=51
